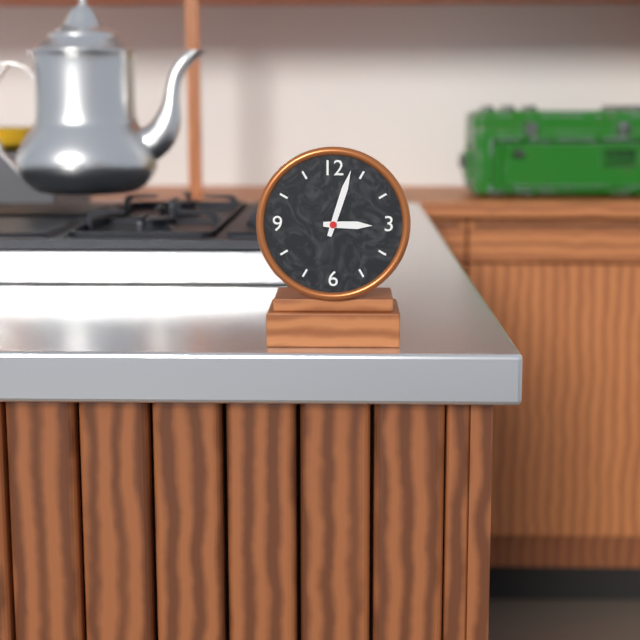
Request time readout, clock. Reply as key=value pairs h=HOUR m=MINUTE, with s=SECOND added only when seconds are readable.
h=3 m=3
